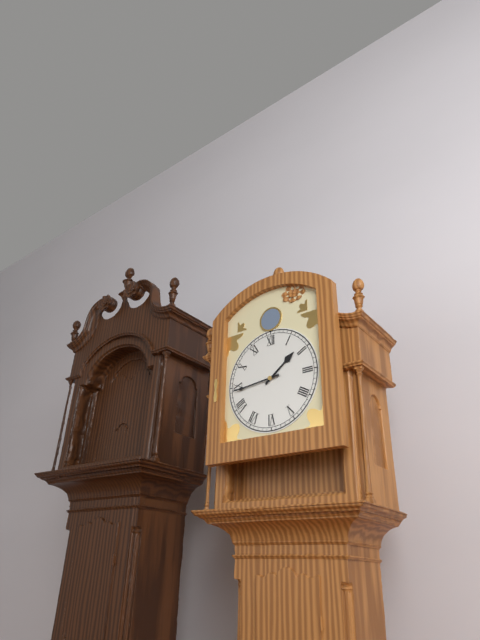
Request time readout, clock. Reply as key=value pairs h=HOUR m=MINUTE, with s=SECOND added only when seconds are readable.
h=1 m=44
